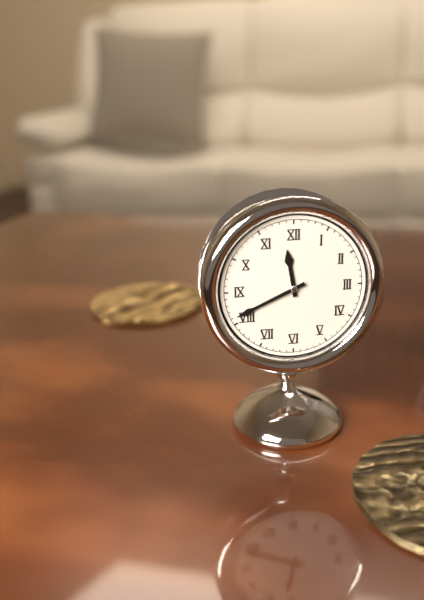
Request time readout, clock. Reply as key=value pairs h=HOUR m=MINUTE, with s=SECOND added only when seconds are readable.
h=11 m=41
